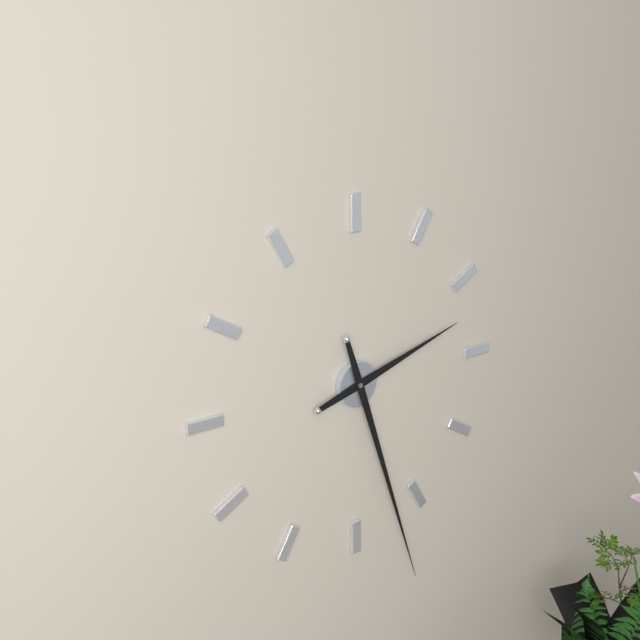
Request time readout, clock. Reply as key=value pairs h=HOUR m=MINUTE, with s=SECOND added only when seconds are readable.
h=2 m=27
